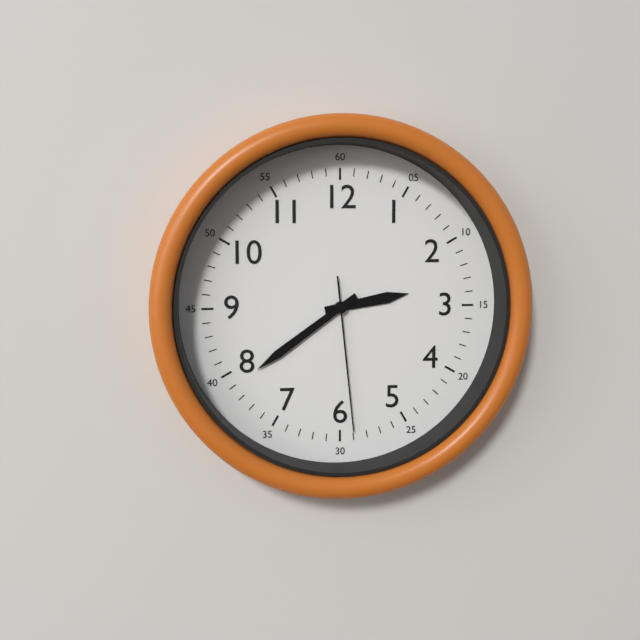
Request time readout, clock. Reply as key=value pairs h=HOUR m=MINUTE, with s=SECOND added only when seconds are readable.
h=2 m=39 s=29
